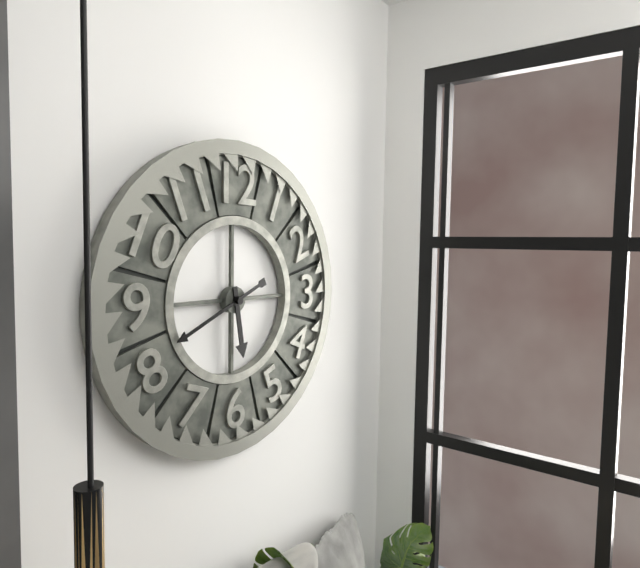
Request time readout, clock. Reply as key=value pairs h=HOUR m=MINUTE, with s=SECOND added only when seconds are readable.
h=5 m=41
